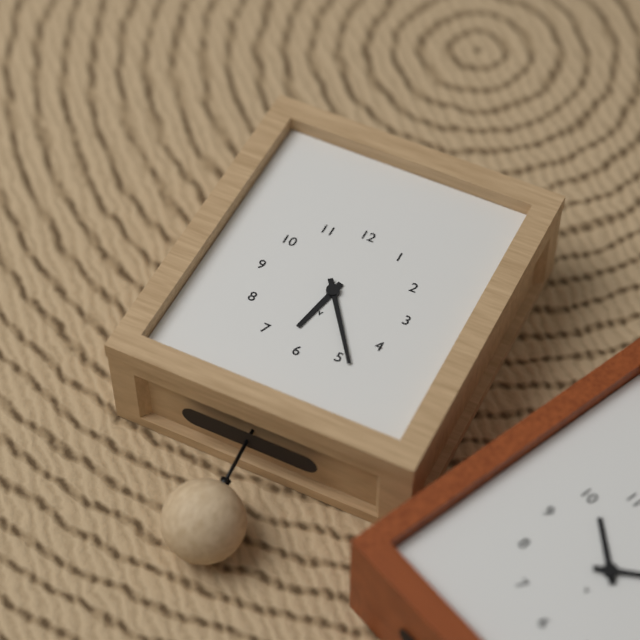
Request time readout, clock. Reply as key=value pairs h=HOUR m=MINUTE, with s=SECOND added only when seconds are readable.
h=6 m=24
